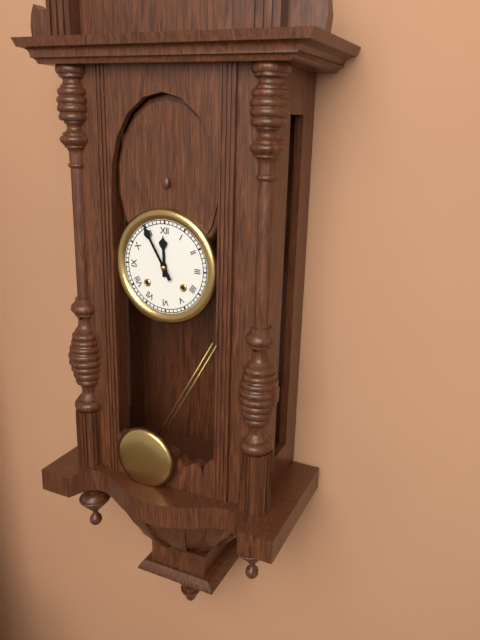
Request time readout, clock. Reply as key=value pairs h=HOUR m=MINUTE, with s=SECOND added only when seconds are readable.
h=11 m=55
